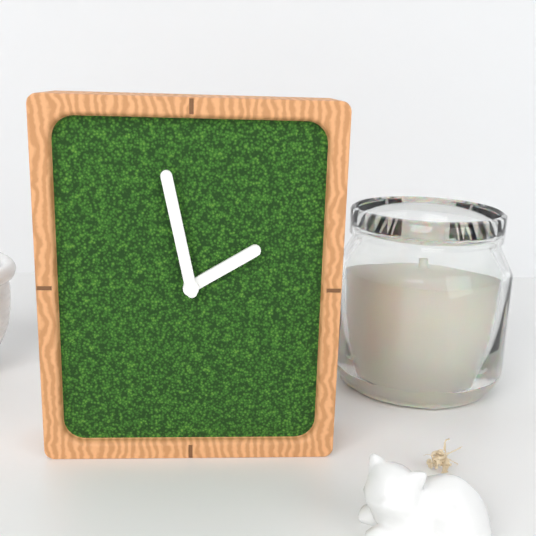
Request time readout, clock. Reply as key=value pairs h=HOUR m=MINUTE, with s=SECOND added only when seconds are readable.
h=1 m=58
